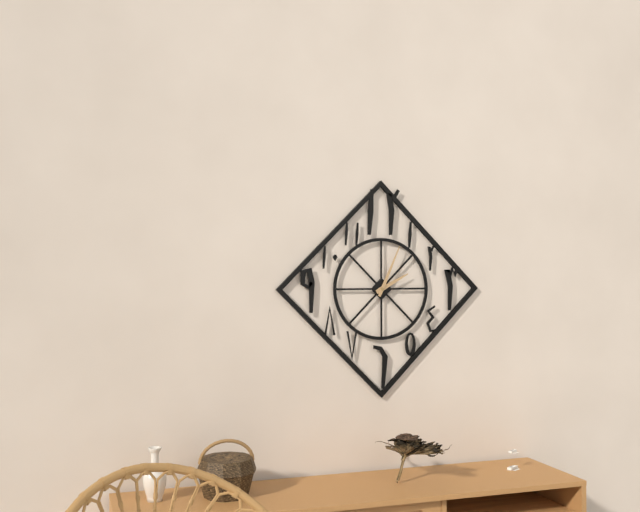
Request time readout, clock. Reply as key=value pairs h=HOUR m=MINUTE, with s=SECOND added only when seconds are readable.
h=2 m=4
